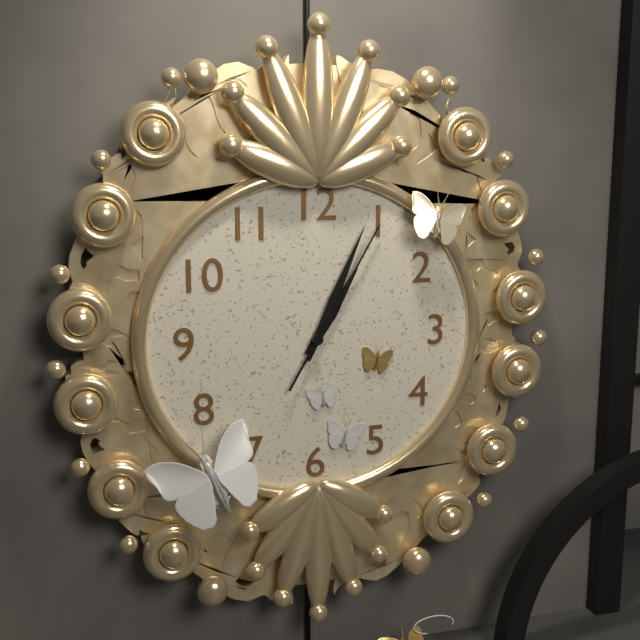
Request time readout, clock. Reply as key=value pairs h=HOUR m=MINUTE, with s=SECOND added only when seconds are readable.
h=1 m=4 s=5
